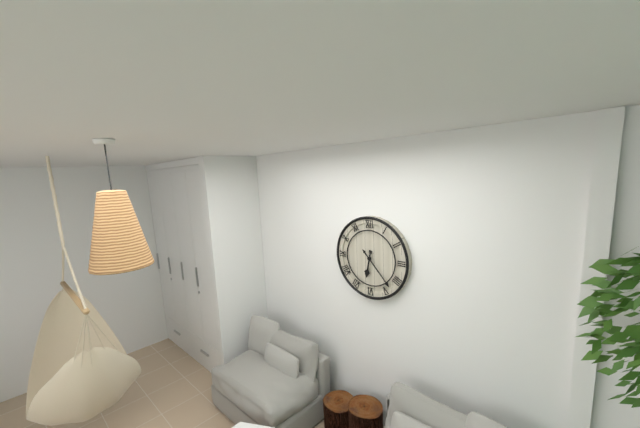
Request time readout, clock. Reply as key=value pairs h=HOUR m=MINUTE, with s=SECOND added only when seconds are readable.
h=6 m=23
